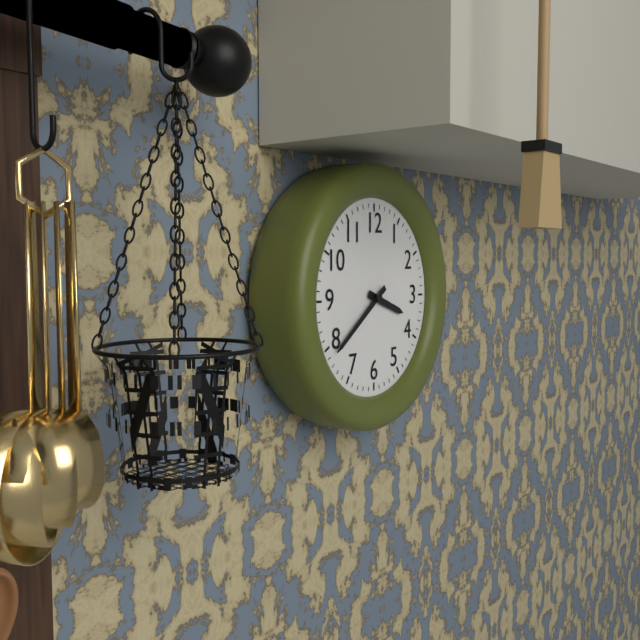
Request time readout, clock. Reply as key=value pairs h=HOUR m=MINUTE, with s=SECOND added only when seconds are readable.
h=3 m=39
